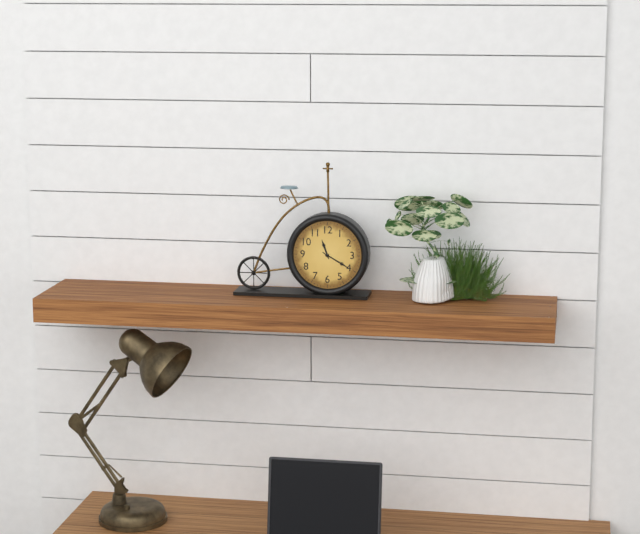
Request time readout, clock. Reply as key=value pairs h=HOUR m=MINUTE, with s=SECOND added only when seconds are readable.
h=11 m=20
